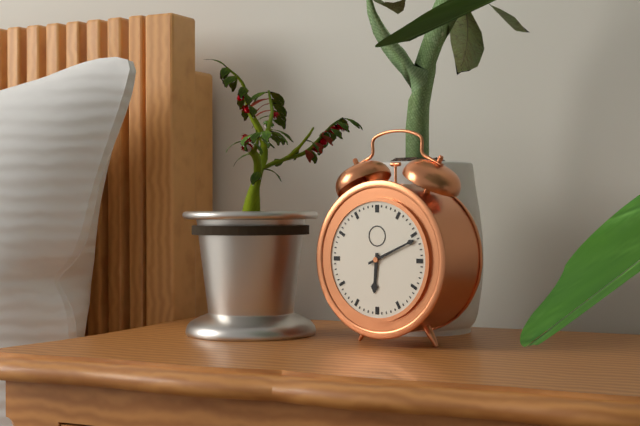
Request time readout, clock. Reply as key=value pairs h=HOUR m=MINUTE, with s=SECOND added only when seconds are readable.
h=6 m=11
